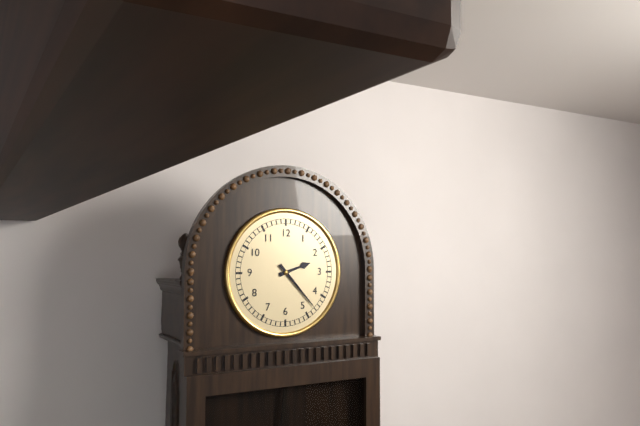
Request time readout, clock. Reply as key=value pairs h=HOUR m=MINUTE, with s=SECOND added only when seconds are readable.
h=2 m=23
